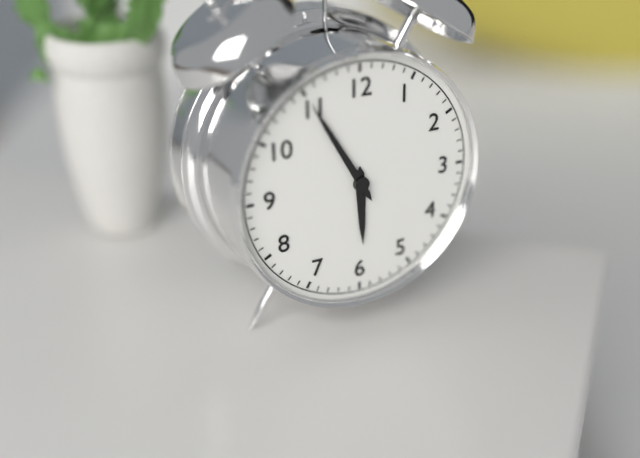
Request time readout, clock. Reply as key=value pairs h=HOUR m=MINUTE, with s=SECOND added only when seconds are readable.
h=5 m=55
